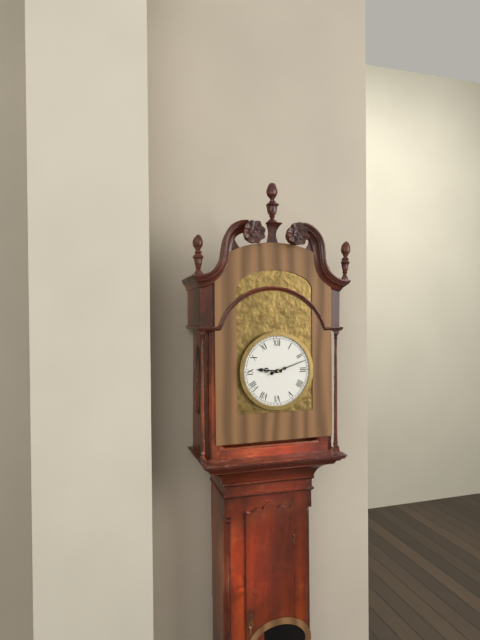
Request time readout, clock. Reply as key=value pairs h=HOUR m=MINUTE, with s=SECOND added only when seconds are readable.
h=9 m=12
